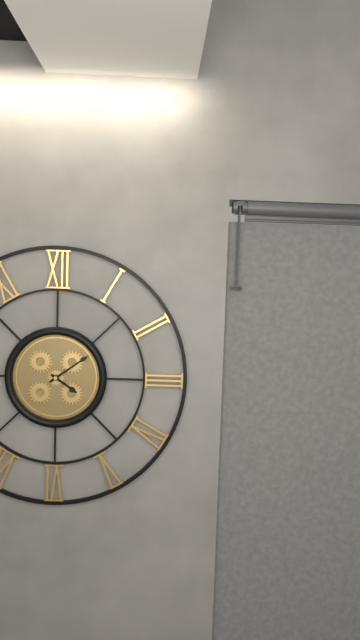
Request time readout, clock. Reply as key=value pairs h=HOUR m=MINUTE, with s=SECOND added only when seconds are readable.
h=4 m=9
